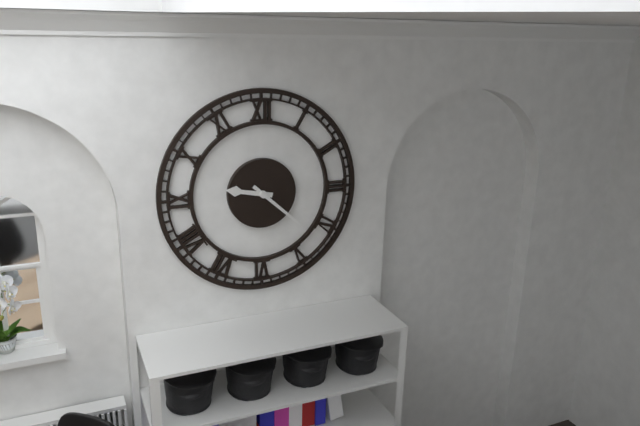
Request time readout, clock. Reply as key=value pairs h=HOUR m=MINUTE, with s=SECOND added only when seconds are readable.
h=9 m=22
